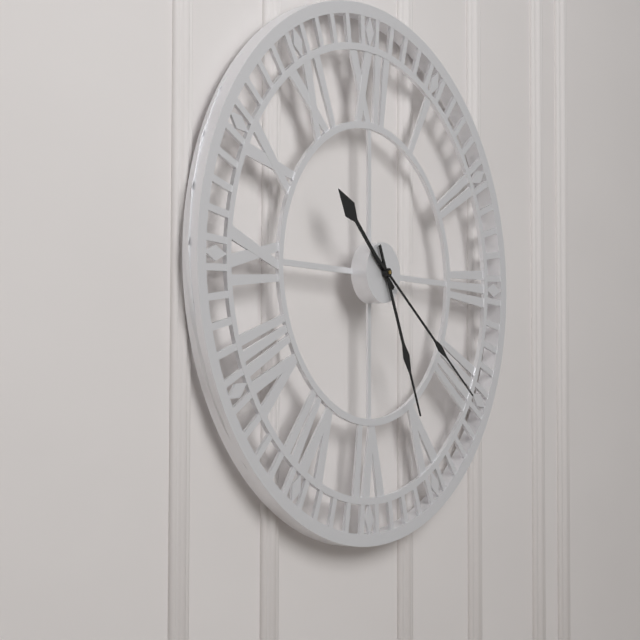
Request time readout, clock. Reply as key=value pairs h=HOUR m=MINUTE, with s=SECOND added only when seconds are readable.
h=10 m=26 s=21
